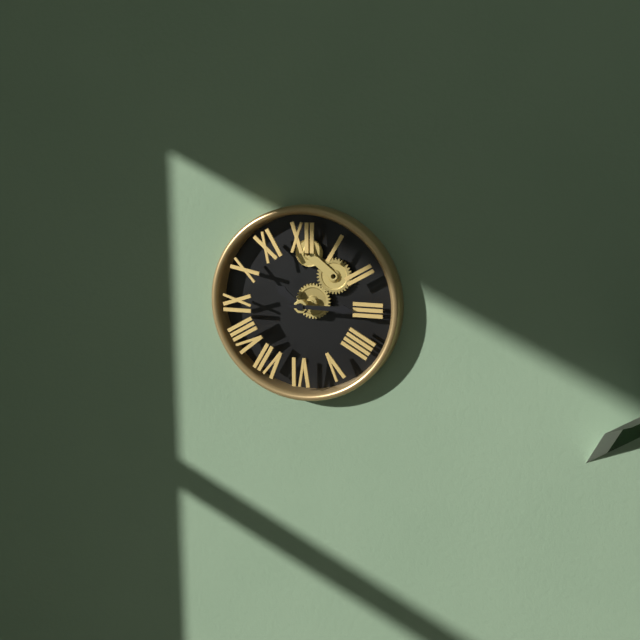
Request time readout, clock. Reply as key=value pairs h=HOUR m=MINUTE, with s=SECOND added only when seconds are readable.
h=10 m=15
